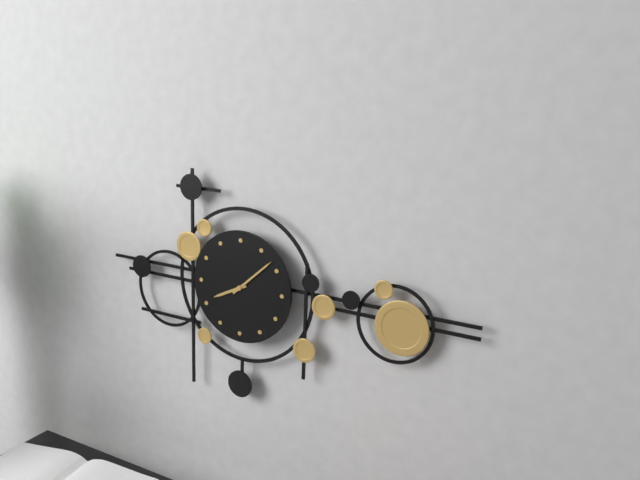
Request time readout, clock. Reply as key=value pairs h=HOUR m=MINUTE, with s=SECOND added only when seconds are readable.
h=8 m=8
